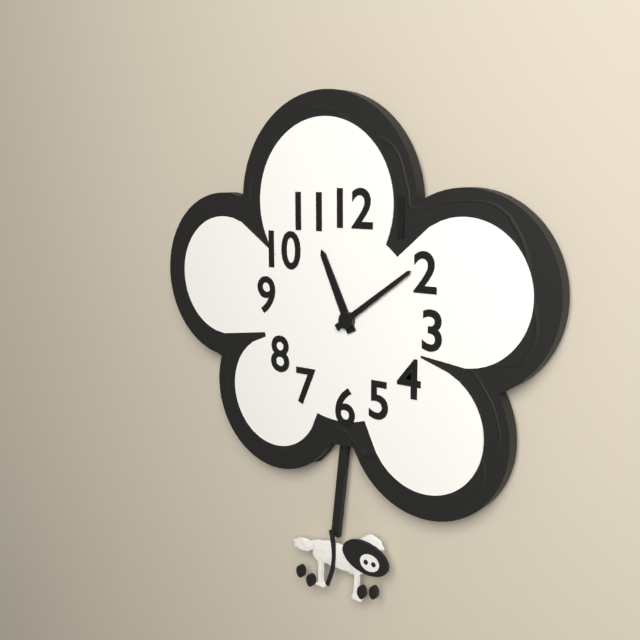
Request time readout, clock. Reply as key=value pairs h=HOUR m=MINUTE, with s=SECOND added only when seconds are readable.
h=11 m=9
